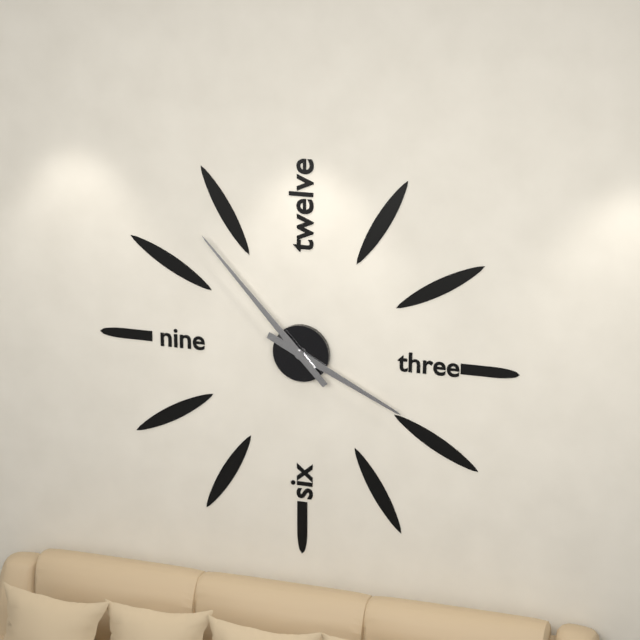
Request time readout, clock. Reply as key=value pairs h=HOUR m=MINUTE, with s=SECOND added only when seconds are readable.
h=3 m=53
